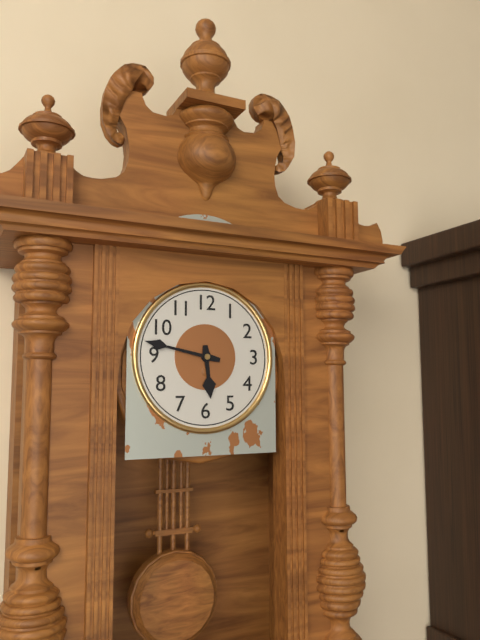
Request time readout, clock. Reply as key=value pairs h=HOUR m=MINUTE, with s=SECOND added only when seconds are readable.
h=5 m=47
